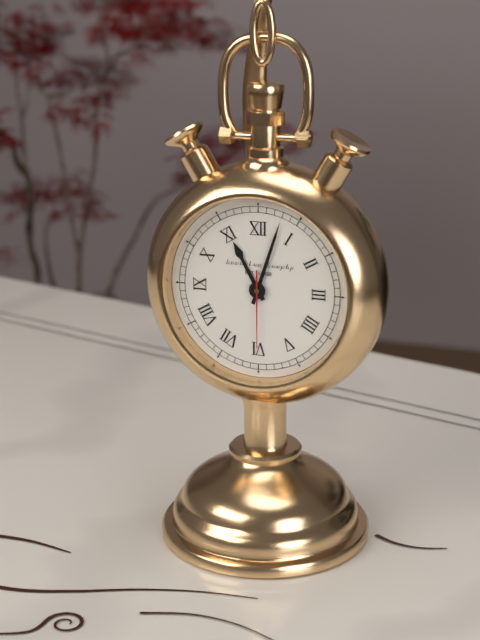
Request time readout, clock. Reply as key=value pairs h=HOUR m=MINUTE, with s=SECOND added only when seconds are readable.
h=11 m=3 s=30
